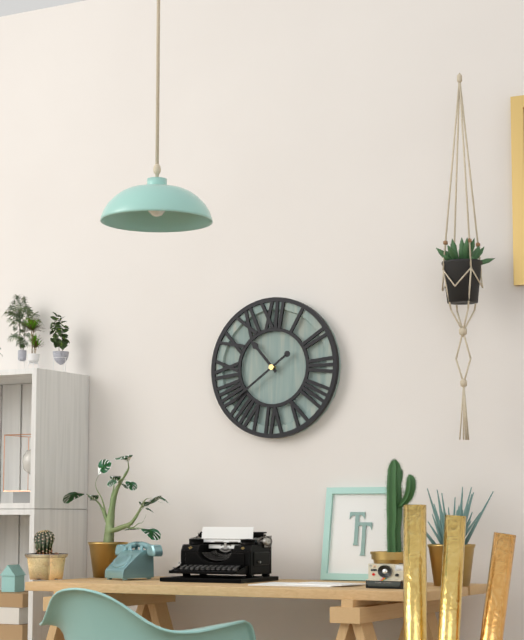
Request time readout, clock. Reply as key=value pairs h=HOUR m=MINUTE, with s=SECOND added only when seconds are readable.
h=10 m=39
